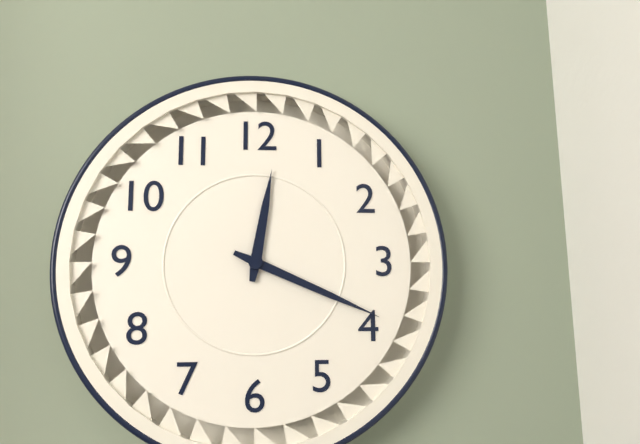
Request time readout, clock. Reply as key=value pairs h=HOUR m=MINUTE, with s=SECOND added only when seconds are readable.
h=12 m=19
